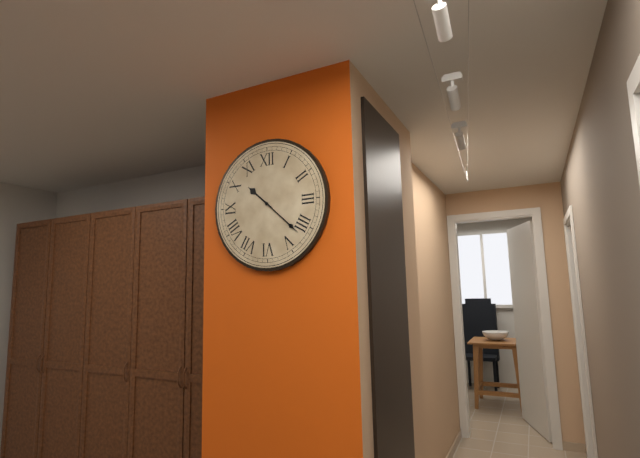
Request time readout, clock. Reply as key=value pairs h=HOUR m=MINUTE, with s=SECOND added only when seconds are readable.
h=10 m=22
